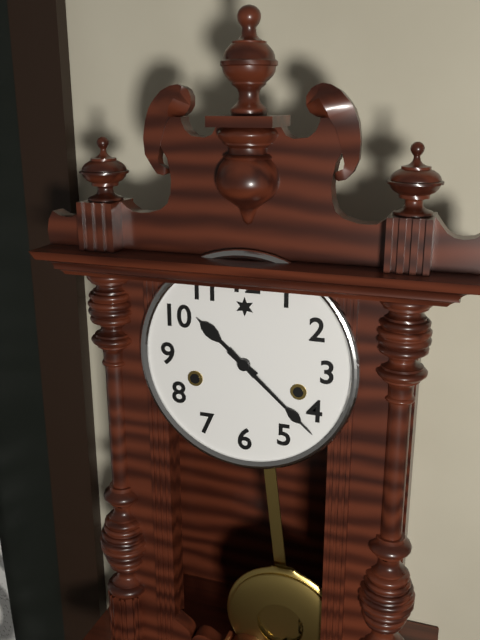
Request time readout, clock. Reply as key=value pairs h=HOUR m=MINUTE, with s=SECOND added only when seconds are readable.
h=10 m=22
